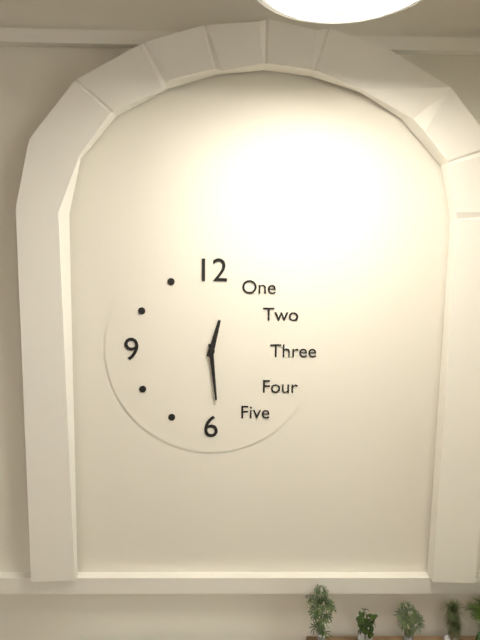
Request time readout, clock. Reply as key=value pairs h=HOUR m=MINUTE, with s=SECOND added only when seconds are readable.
h=12 m=29
